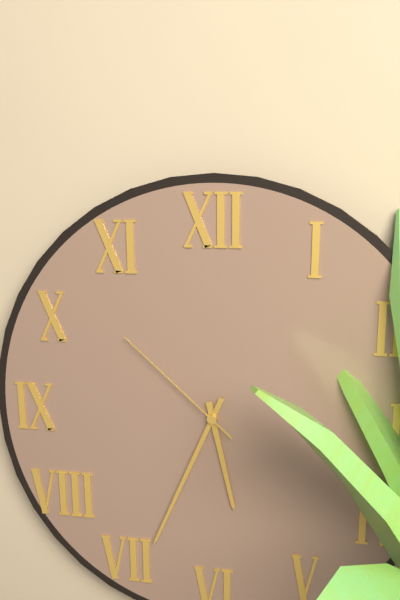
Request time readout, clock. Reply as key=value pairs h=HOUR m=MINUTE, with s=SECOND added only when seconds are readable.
h=5 m=34 s=52
